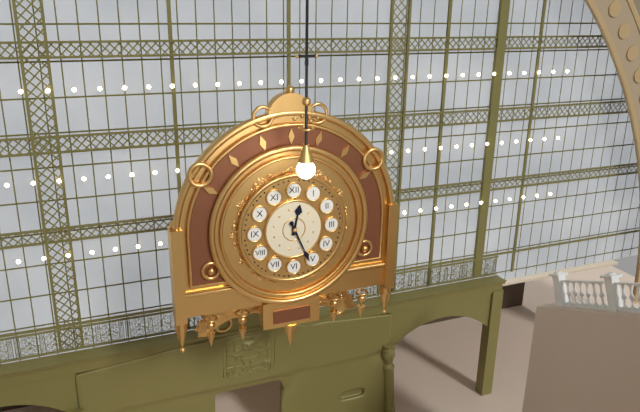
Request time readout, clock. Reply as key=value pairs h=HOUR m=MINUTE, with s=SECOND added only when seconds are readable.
h=12 m=26
